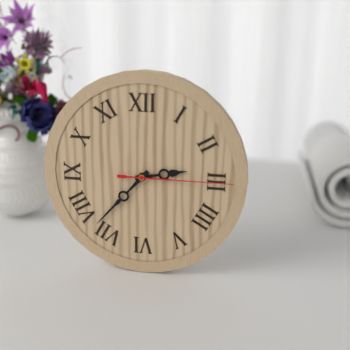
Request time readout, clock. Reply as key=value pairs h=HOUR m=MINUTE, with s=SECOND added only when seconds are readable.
h=2 m=37 s=15
